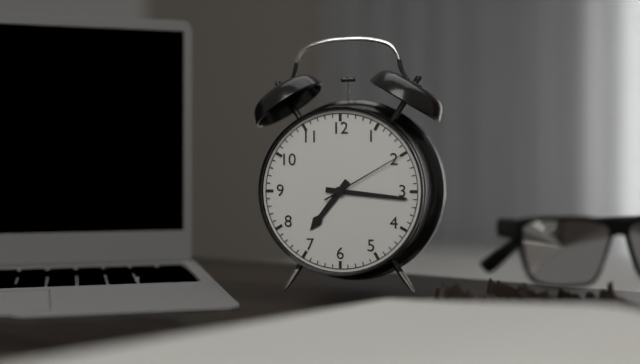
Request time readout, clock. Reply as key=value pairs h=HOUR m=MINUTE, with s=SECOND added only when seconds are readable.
h=7 m=16 s=10
